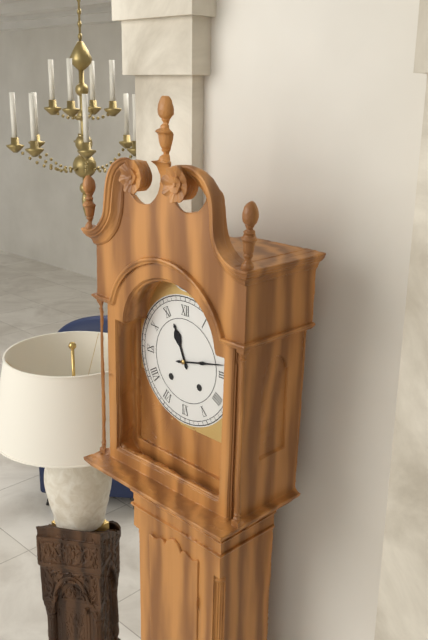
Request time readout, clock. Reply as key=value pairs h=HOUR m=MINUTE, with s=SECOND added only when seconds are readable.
h=11 m=13
